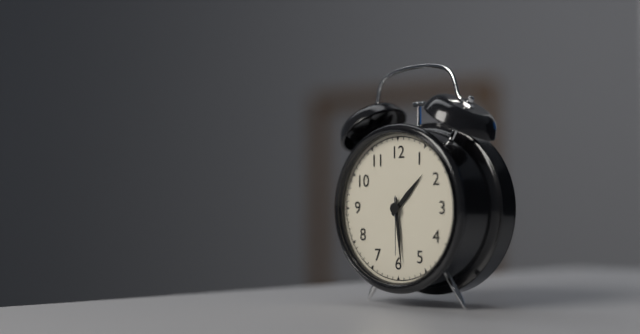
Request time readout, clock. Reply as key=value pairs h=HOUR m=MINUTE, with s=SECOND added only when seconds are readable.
h=1 m=29 s=30
